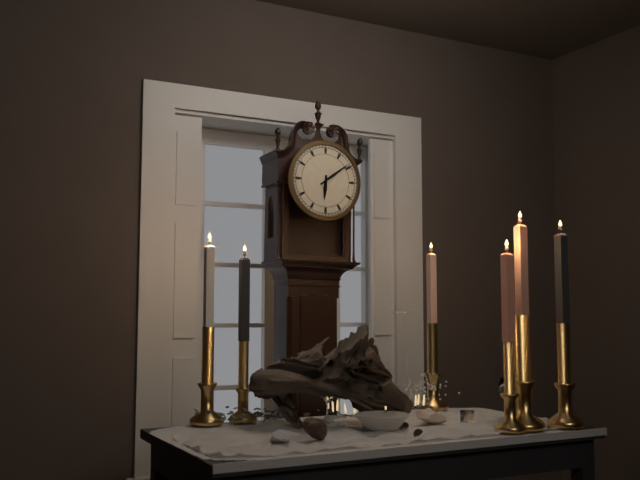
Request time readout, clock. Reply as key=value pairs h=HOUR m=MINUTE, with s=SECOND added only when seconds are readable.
h=6 m=9
